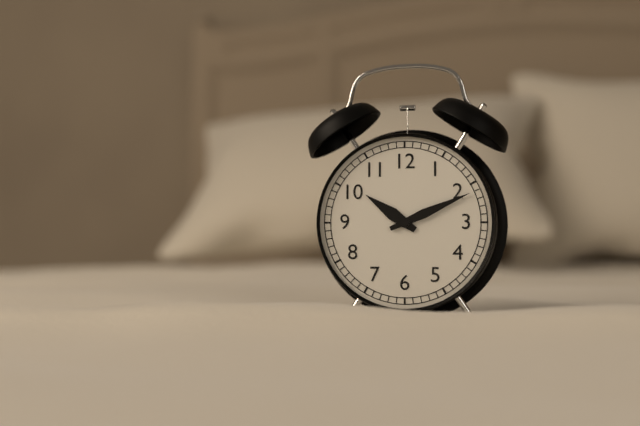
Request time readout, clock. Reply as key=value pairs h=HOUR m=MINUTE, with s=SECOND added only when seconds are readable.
h=10 m=11
